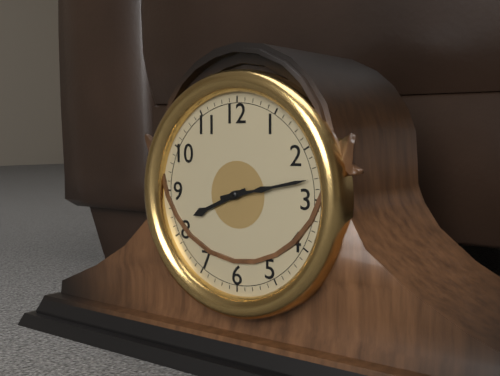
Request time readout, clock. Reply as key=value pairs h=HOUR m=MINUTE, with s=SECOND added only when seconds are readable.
h=8 m=13
